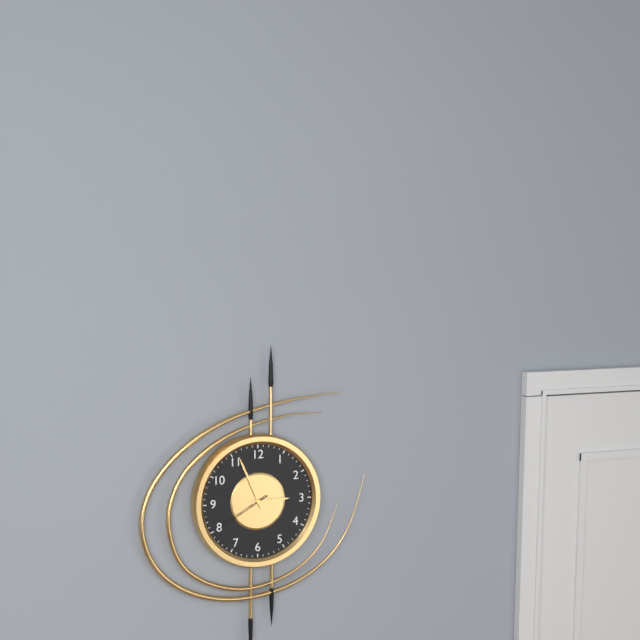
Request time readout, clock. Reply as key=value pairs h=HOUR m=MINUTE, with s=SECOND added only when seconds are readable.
h=2 m=56 s=40
